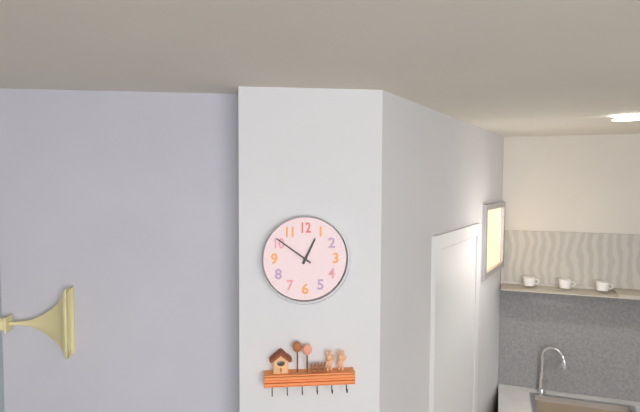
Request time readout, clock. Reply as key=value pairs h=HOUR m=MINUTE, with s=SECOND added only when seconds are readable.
h=12 m=51
